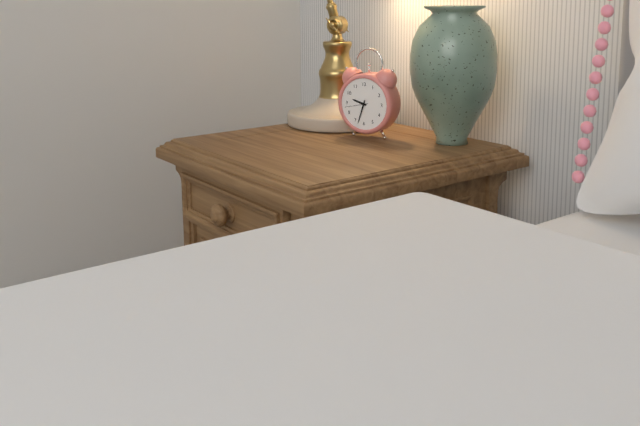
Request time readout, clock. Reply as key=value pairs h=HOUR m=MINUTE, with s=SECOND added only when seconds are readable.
h=9 m=33
